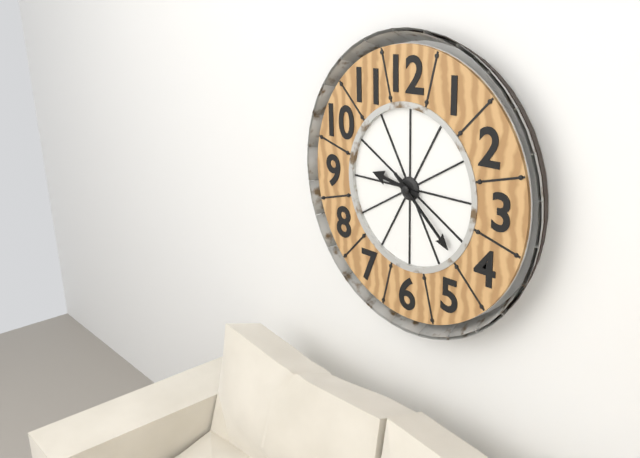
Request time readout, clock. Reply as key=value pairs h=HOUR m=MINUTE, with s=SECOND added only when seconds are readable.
h=9 m=22
